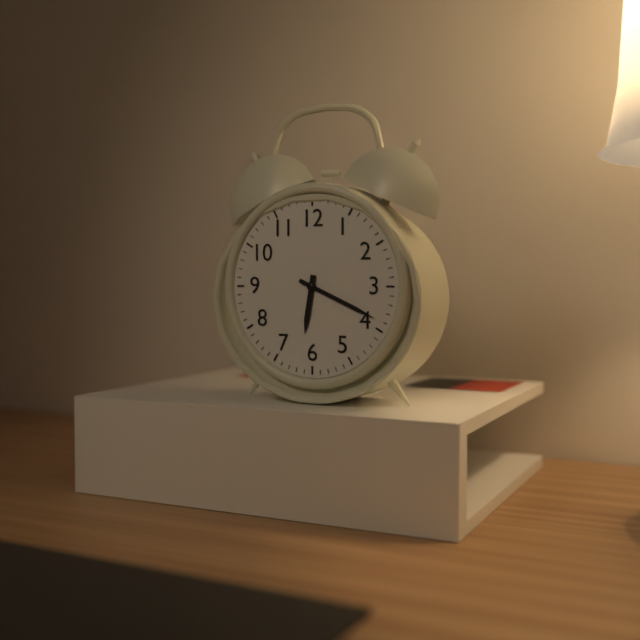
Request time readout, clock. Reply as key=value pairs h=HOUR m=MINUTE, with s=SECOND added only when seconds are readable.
h=6 m=19
